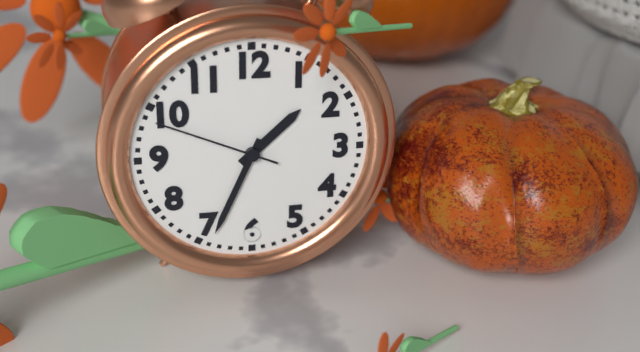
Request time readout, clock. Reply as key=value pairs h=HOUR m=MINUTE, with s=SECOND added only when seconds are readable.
h=1 m=34 s=49
